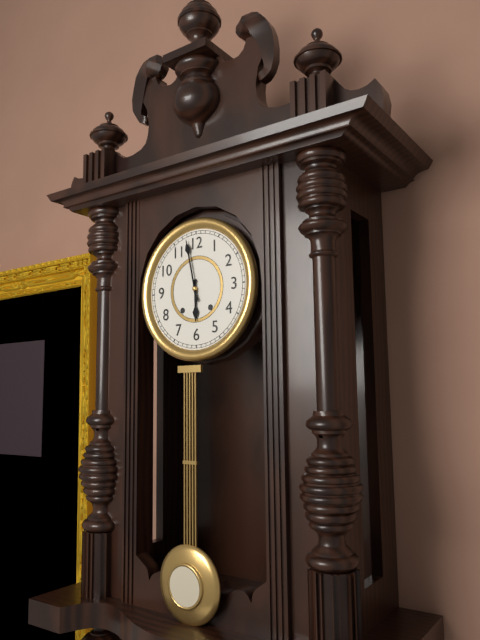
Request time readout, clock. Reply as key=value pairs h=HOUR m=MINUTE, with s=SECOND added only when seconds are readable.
h=5 m=58
